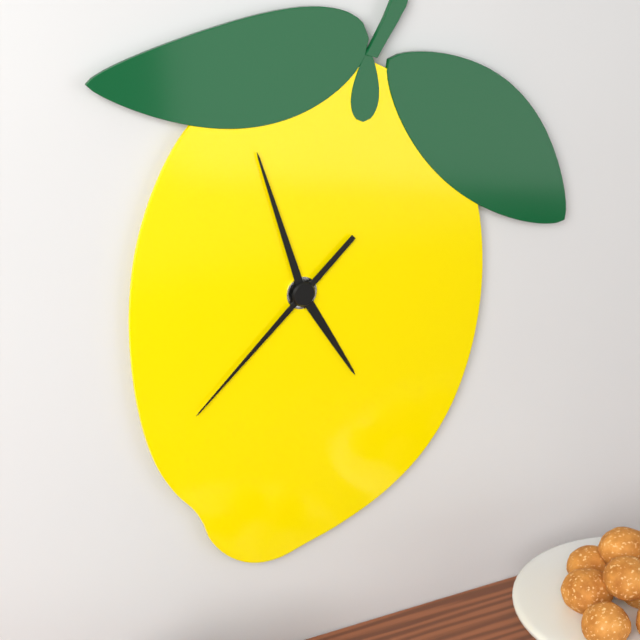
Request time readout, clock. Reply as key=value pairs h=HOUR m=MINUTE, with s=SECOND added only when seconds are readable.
h=4 m=57 s=38
